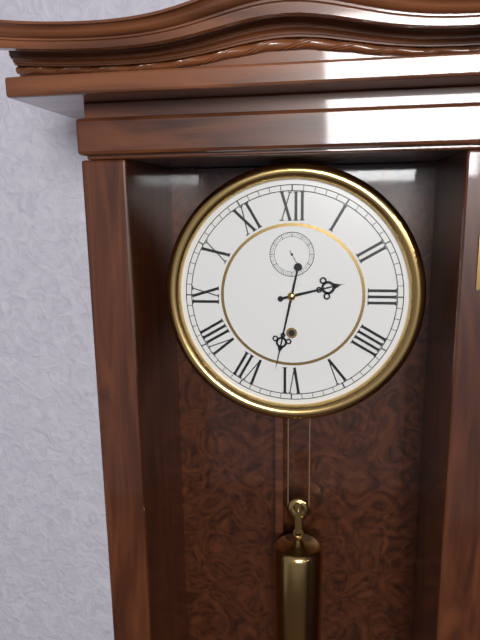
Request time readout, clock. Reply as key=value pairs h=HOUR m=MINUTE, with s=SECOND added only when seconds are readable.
h=2 m=32
